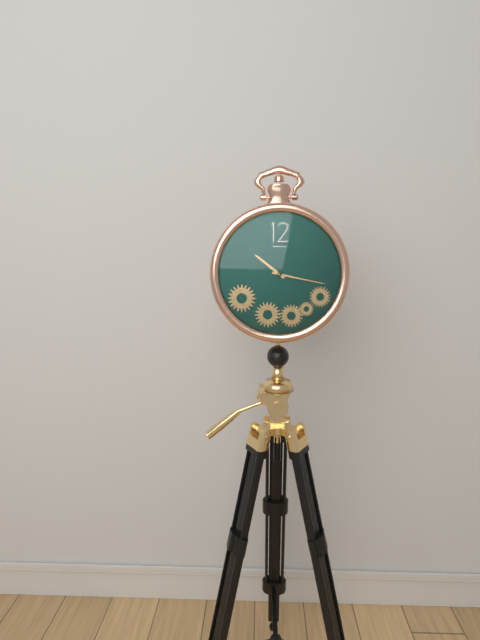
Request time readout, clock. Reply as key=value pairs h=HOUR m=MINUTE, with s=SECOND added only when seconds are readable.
h=10 m=17
